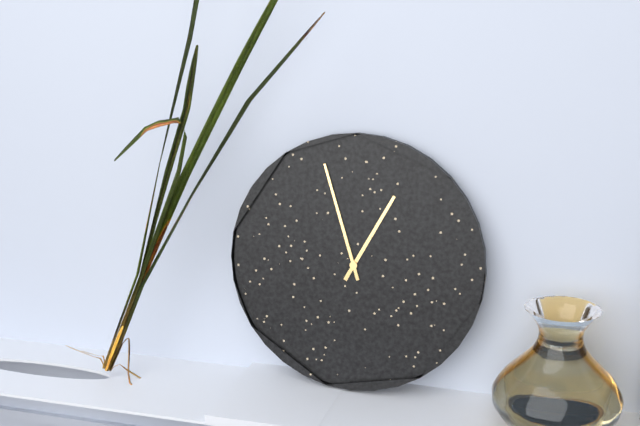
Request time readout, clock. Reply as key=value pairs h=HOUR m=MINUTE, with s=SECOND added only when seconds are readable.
h=12 m=57
